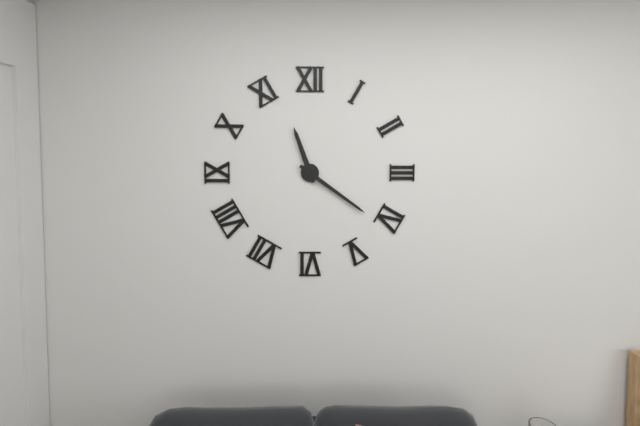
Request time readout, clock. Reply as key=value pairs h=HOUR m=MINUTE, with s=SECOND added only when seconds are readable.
h=11 m=21
